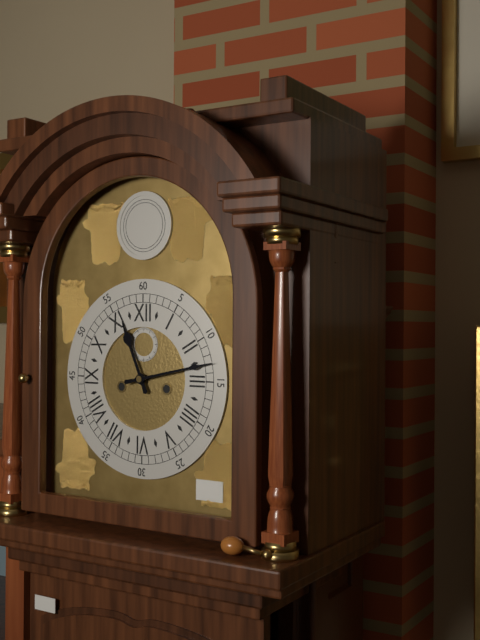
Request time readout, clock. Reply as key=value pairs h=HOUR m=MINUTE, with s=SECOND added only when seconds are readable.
h=11 m=13
